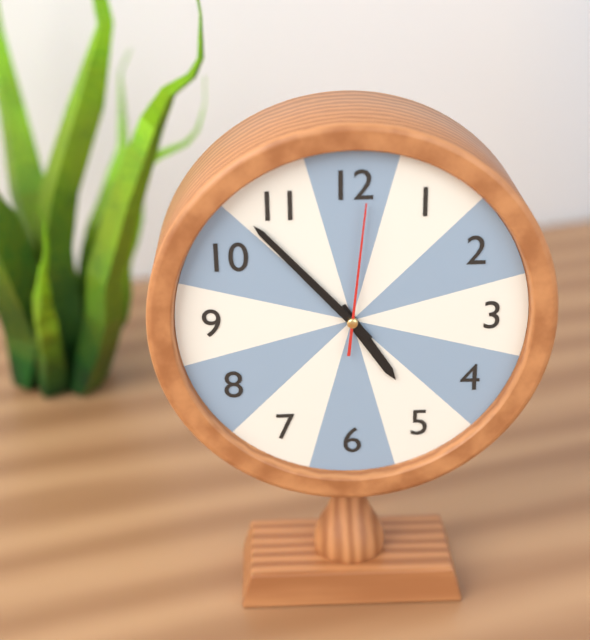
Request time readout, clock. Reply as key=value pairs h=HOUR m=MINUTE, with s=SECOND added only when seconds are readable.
h=4 m=53 s=1
